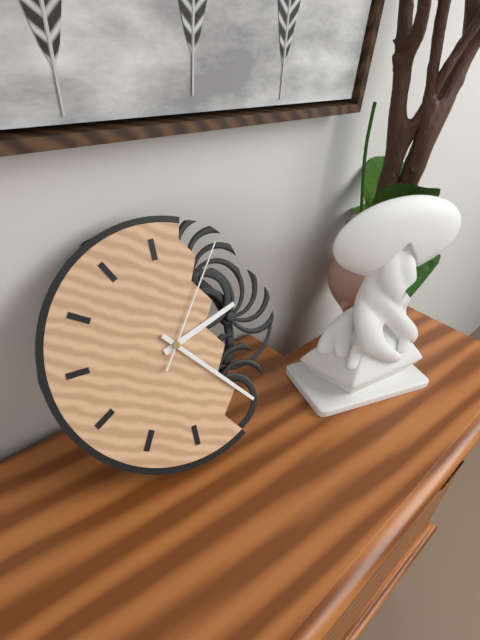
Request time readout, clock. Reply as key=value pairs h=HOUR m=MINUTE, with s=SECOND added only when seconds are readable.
h=2 m=23 s=6
